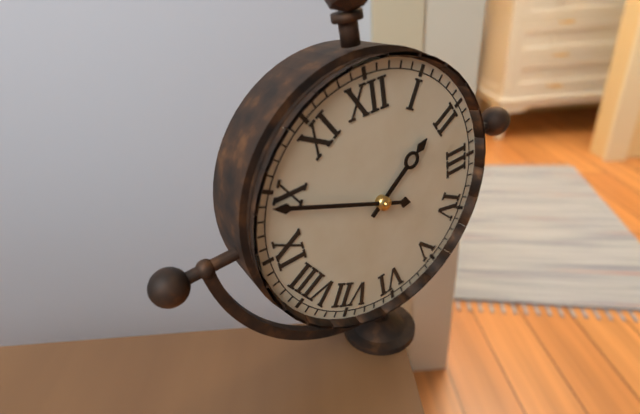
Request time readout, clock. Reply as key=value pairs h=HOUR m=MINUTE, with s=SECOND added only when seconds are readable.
h=1 m=49
